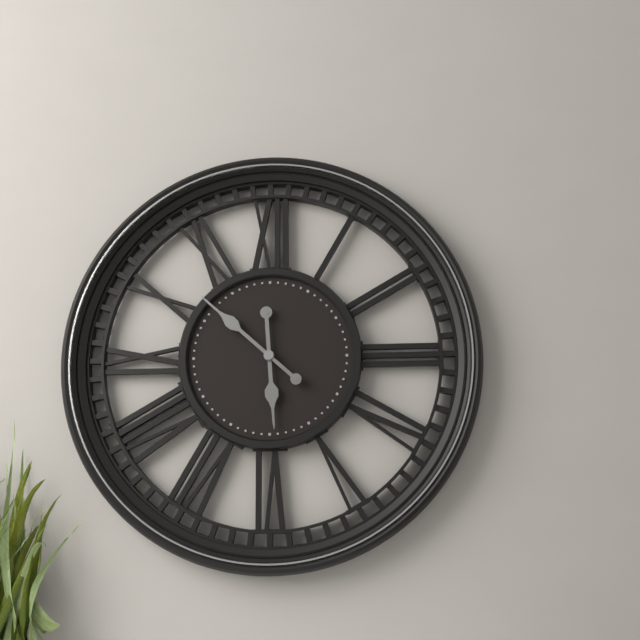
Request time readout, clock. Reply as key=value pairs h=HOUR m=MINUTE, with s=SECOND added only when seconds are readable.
h=5 m=52
